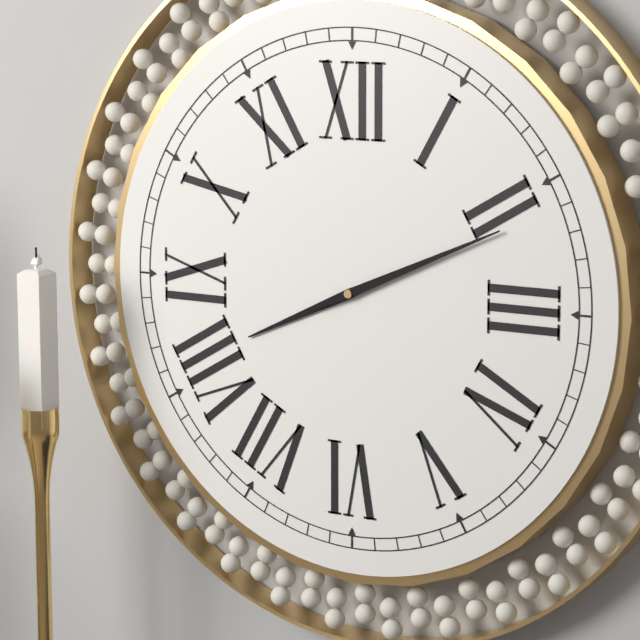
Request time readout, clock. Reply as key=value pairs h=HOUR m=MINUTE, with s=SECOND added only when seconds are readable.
h=8 m=11
